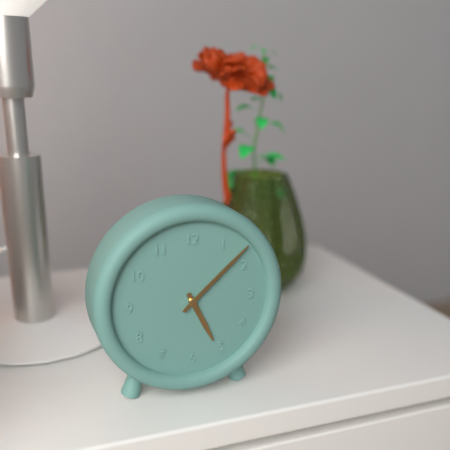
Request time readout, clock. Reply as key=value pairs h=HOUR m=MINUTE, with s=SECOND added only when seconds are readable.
h=5 m=8
